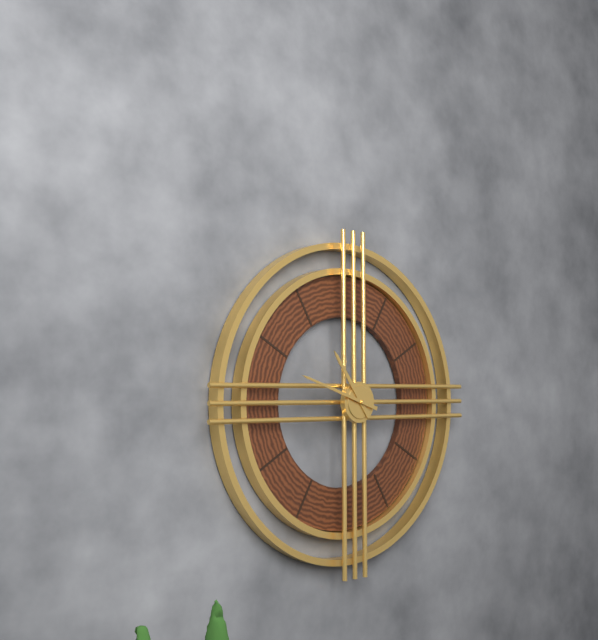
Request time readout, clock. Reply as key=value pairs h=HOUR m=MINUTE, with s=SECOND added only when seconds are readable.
h=10 m=48
